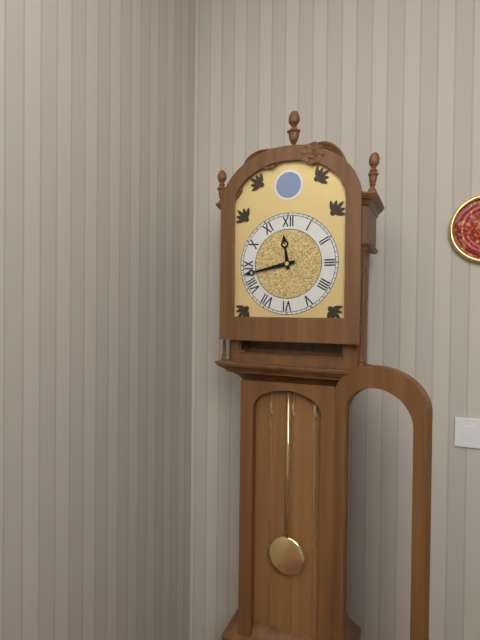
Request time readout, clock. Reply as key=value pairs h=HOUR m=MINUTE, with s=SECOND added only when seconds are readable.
h=11 m=43
